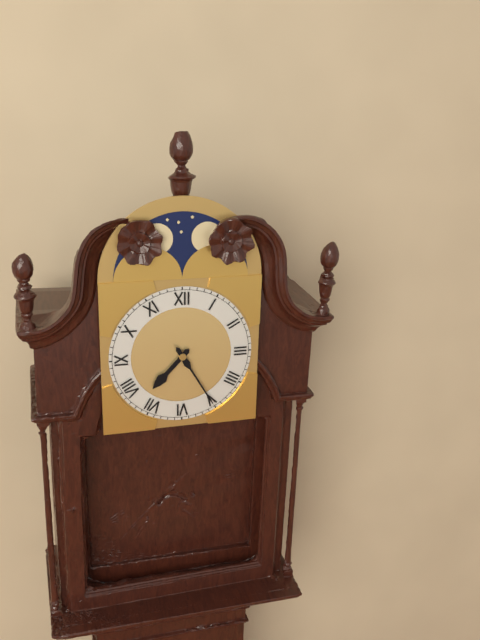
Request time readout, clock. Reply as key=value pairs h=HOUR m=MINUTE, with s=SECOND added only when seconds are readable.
h=7 m=25
